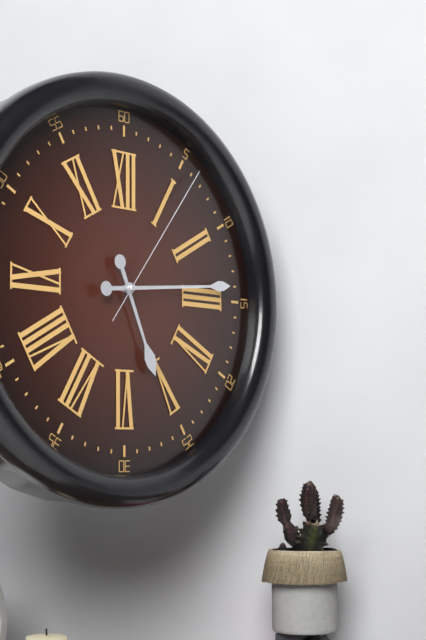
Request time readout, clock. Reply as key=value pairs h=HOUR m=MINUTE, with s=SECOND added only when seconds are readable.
h=5 m=14 s=6
